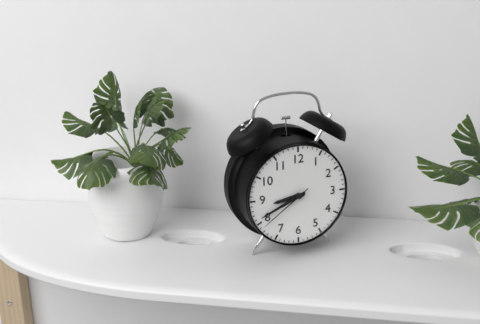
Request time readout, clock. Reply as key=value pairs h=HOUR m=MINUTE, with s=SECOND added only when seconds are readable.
h=8 m=41 s=39
